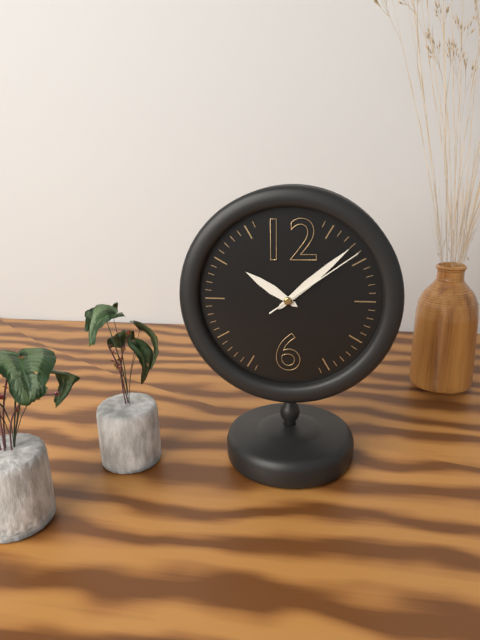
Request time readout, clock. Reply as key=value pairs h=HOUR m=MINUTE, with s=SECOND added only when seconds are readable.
h=10 m=8 s=9
